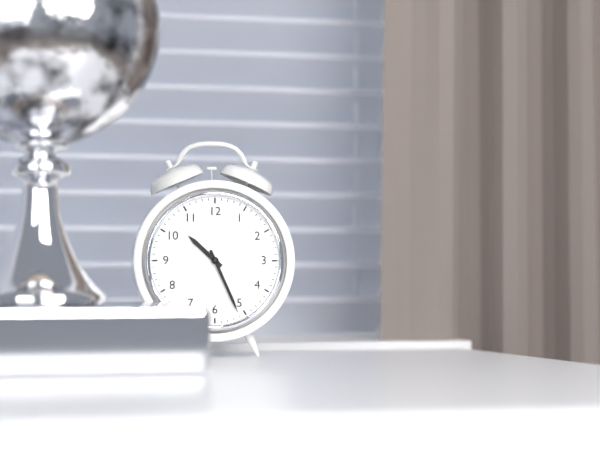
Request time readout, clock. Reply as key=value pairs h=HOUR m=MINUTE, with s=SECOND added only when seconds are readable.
h=10 m=26
